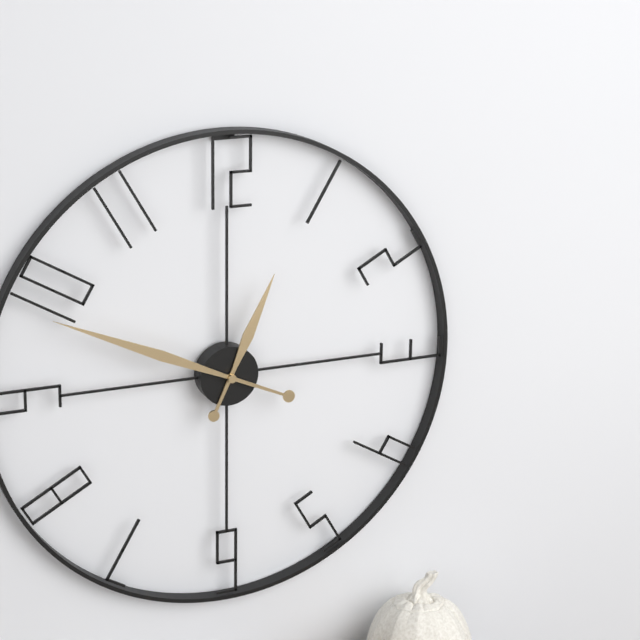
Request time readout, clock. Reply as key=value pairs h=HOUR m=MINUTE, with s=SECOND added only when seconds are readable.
h=12 m=49
